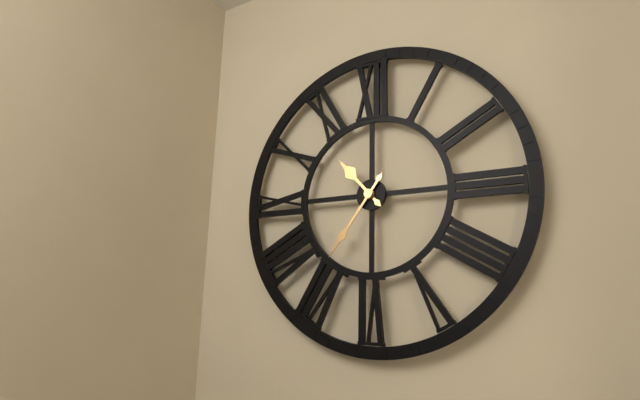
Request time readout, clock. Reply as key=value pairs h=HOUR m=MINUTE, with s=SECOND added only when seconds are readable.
h=10 m=36
